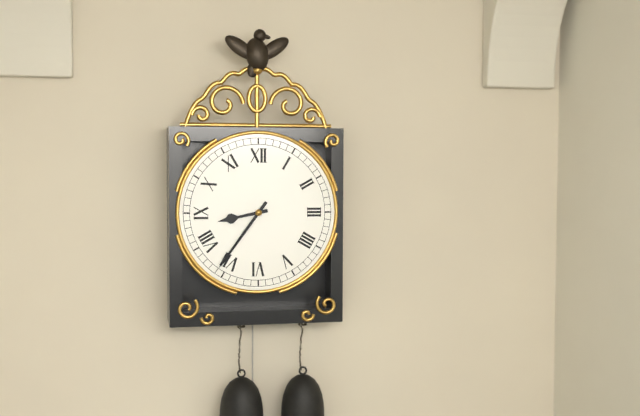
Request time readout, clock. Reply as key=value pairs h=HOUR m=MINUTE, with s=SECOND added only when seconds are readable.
h=8 m=36
